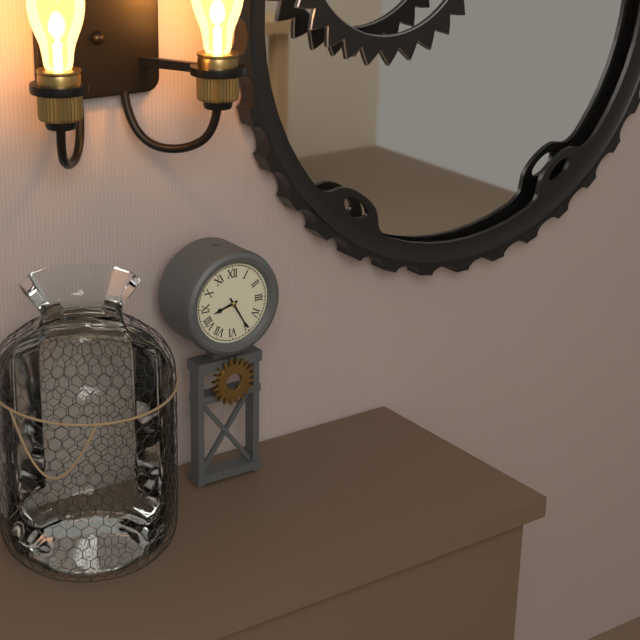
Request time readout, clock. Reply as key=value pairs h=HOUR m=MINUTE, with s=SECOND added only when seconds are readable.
h=8 m=25
